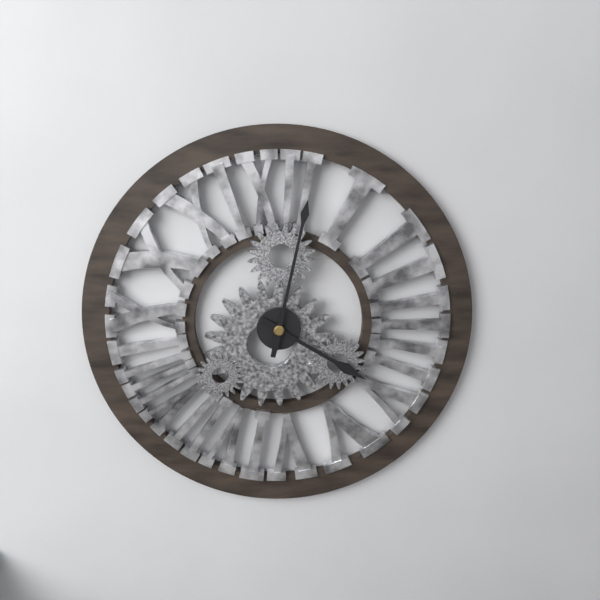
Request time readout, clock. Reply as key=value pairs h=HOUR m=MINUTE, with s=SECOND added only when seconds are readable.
h=4 m=2
